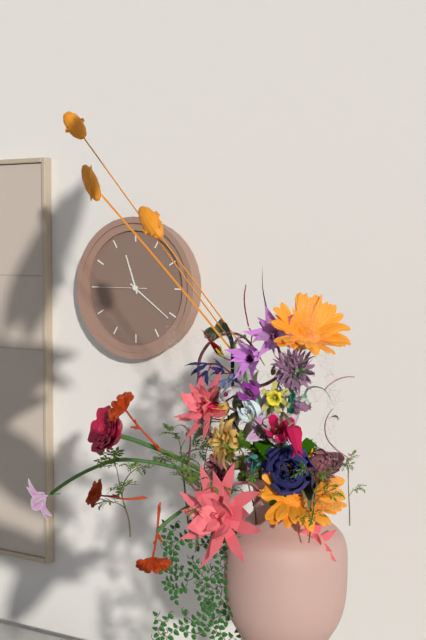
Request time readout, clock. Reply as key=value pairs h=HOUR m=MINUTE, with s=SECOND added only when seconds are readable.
h=11 m=21 s=45
